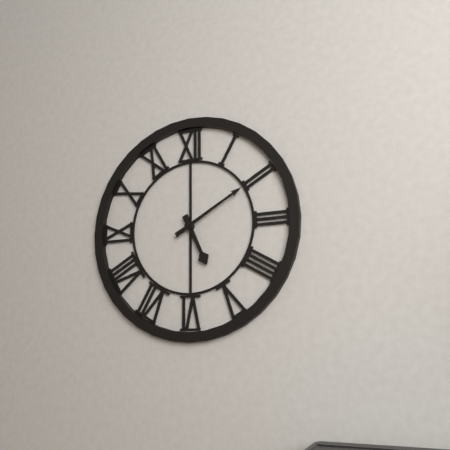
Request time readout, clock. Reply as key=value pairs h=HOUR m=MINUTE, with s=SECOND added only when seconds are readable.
h=5 m=10
